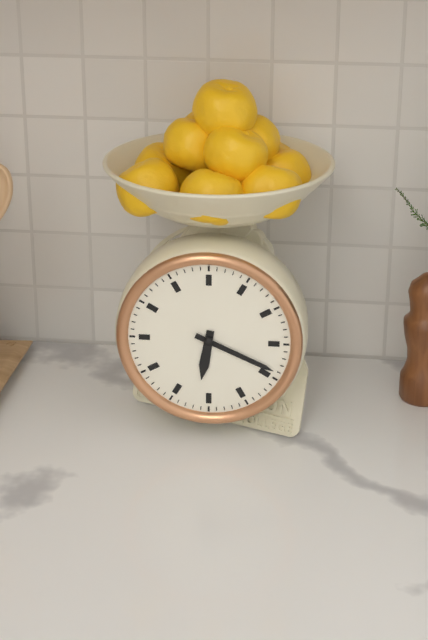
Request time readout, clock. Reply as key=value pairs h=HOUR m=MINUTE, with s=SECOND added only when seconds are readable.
h=6 m=19
